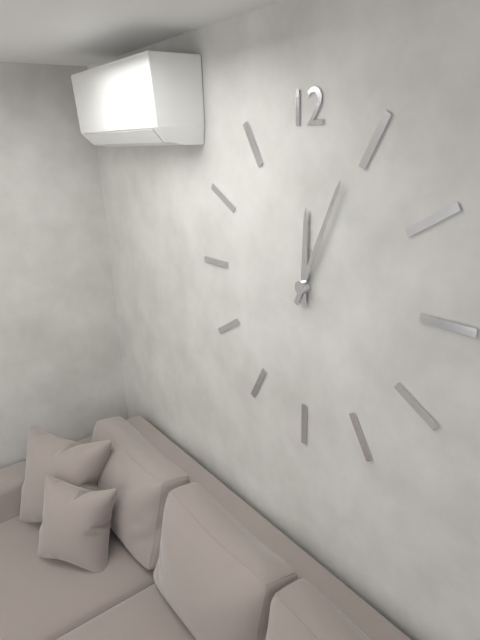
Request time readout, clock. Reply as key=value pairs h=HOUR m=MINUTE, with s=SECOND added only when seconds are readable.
h=12 m=4
